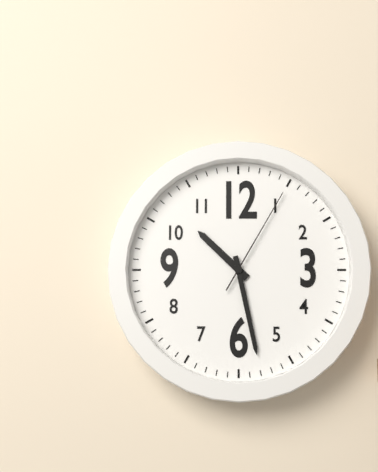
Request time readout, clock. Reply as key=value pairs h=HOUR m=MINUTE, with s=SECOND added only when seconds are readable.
h=10 m=28 s=5
